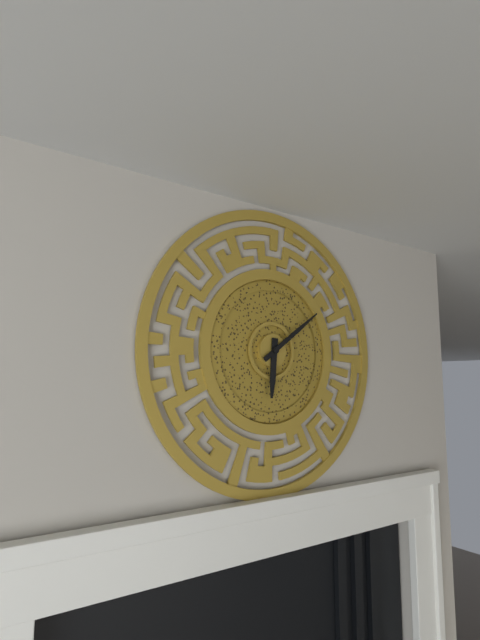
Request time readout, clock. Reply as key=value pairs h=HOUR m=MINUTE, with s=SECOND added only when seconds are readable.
h=6 m=9
